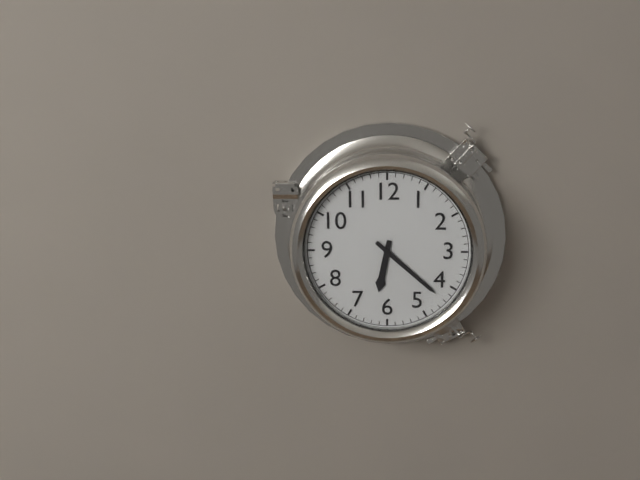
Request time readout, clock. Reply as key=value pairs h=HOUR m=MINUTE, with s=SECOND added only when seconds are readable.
h=6 m=22
